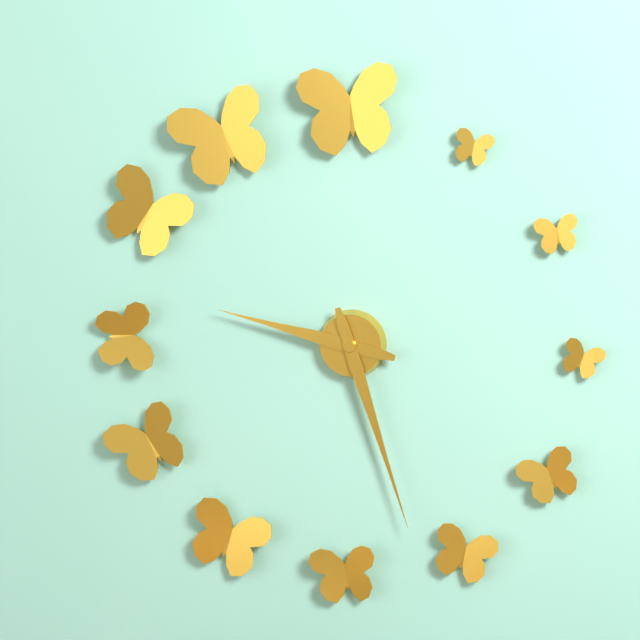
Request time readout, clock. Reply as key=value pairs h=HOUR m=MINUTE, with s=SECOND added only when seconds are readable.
h=9 m=27
